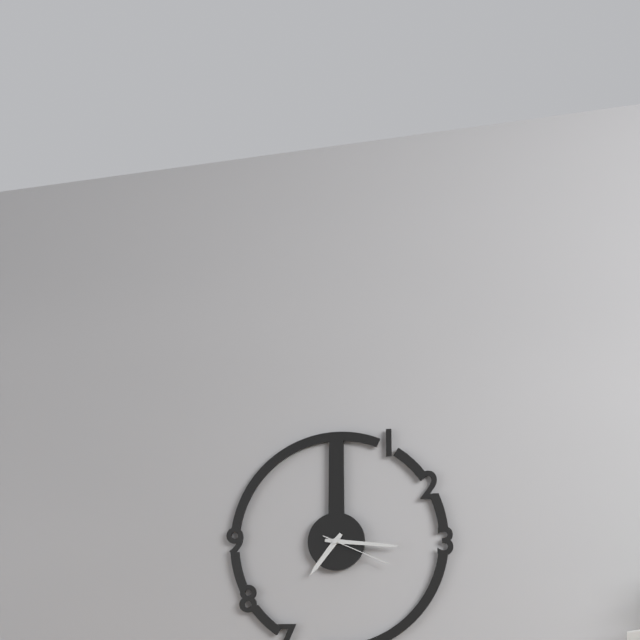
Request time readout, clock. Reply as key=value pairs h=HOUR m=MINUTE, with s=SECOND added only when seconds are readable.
h=7 m=16 s=19
